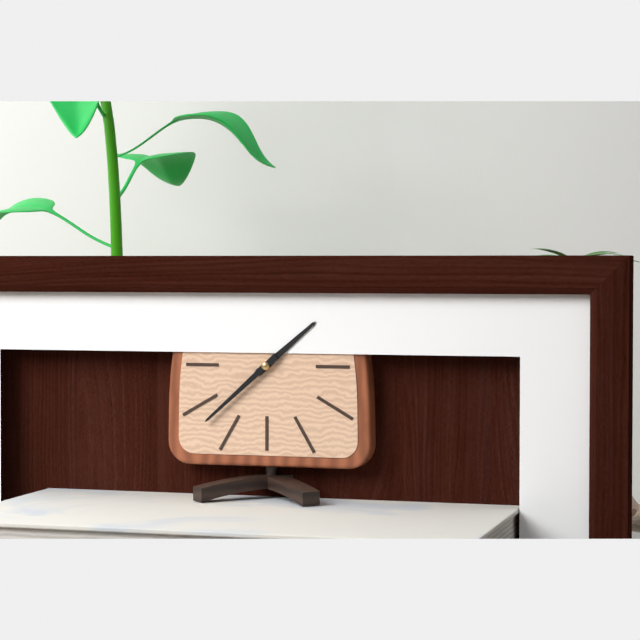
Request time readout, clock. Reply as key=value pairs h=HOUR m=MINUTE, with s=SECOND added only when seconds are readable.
h=1 m=38
